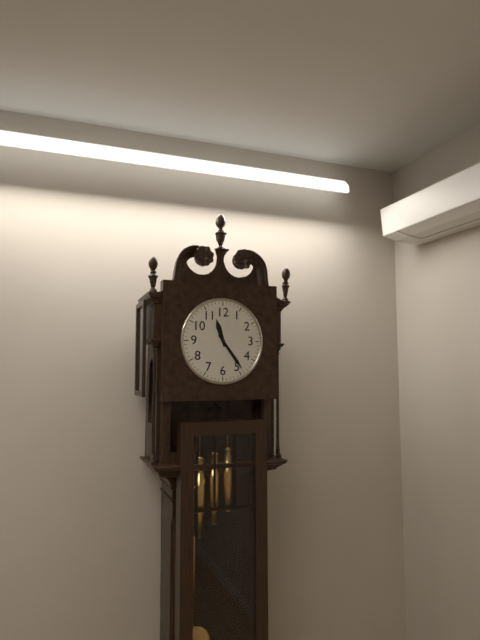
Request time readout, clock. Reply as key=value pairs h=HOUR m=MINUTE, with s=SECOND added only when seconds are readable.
h=11 m=24
